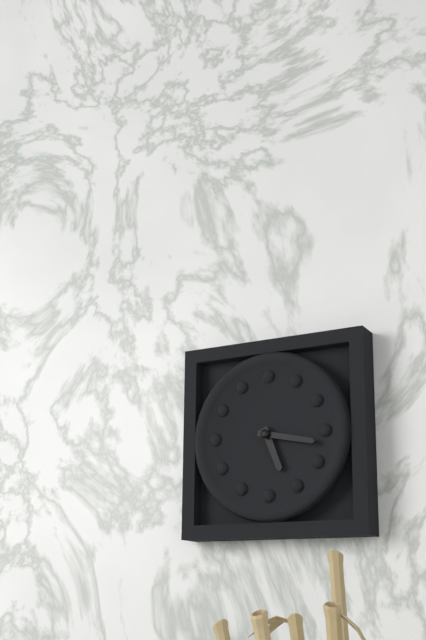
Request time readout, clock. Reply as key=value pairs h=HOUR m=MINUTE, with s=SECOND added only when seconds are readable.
h=5 m=17
